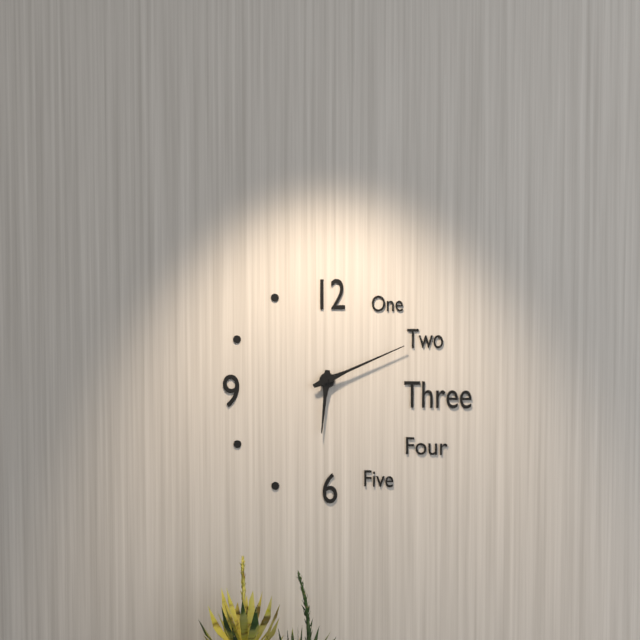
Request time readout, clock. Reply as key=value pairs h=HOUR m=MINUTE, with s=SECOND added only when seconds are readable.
h=6 m=11
